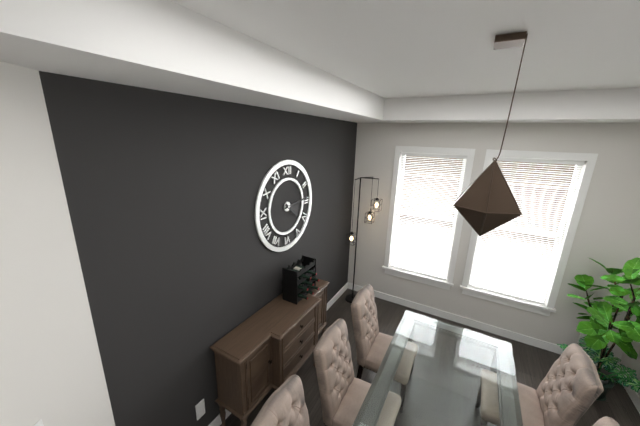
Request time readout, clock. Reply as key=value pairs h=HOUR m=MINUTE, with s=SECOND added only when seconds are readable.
h=4 m=14
